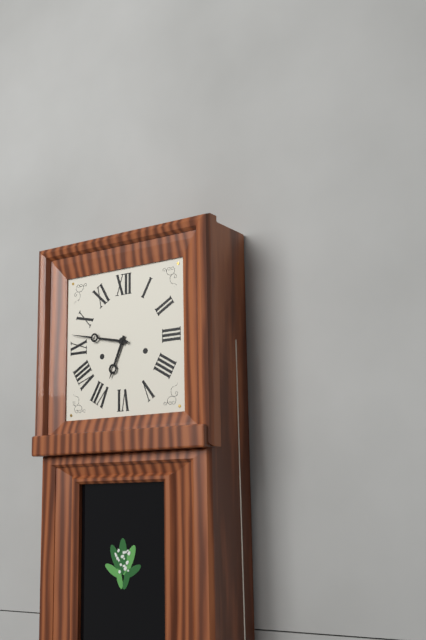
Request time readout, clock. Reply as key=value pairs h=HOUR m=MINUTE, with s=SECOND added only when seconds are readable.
h=6 m=47
